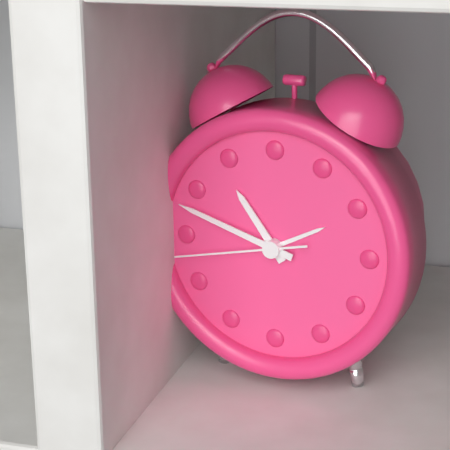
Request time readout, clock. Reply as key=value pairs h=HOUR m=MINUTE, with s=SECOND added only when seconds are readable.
h=10 m=48 s=43
